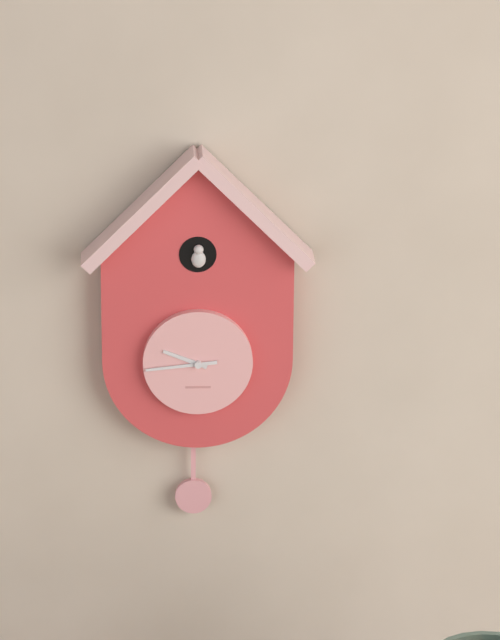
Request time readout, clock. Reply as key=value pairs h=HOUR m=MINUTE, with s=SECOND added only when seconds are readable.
h=9 m=44
